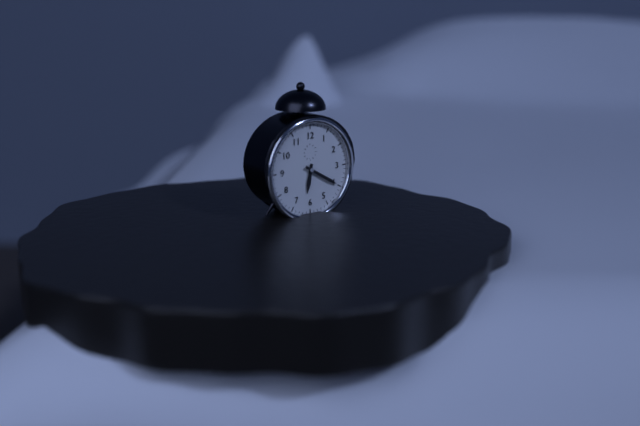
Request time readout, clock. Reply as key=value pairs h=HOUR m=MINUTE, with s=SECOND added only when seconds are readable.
h=6 m=20
